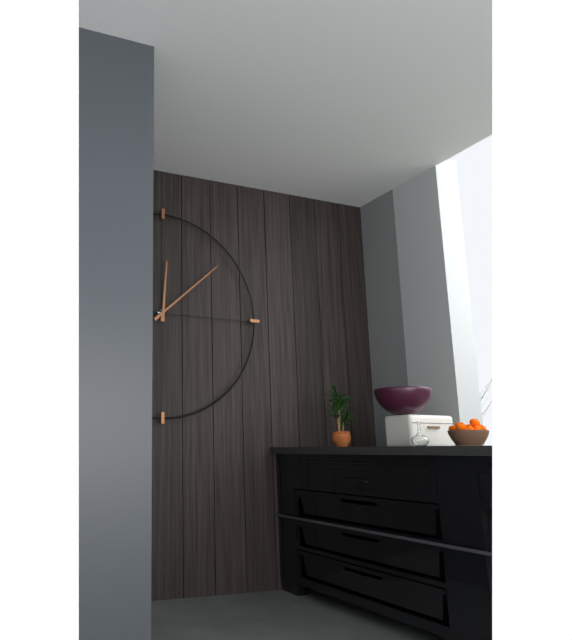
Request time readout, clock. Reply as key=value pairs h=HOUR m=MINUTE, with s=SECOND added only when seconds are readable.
h=12 m=8
